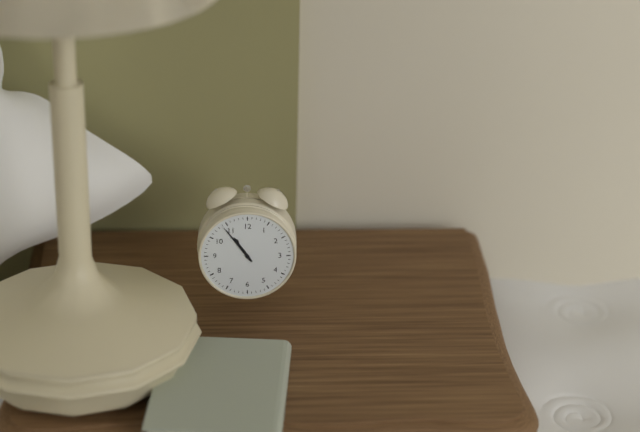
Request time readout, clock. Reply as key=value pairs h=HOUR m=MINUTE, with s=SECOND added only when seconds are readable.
h=10 m=54
